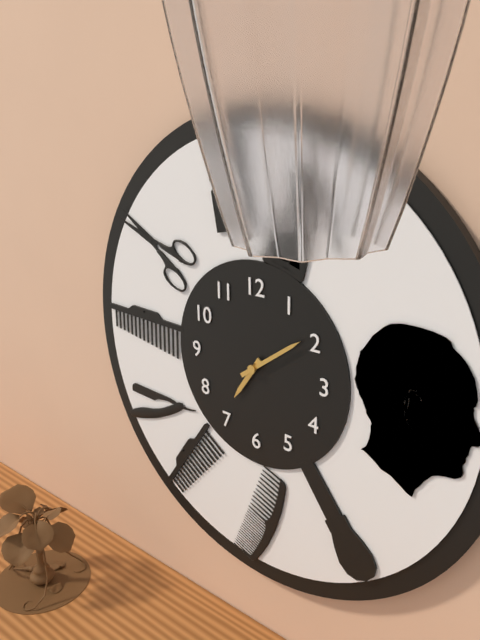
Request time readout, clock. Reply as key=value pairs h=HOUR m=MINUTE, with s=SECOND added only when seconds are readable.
h=7 m=9
